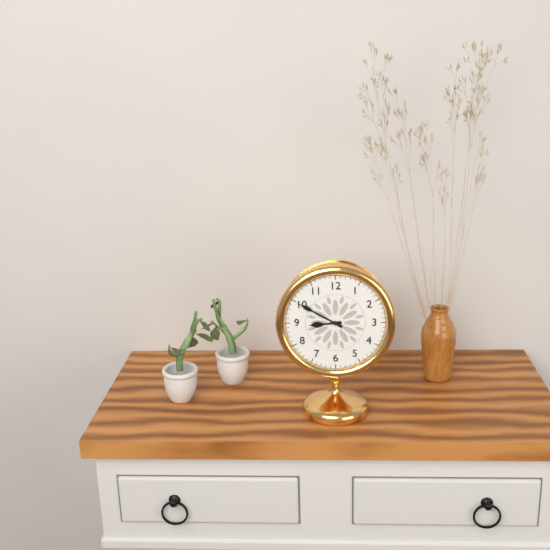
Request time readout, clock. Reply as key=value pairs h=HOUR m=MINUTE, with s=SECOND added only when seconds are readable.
h=8 m=50
